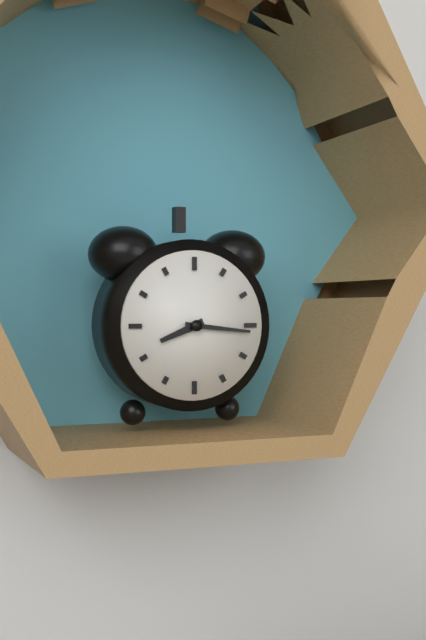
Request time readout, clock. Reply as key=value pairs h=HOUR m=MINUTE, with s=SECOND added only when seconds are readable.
h=8 m=16
